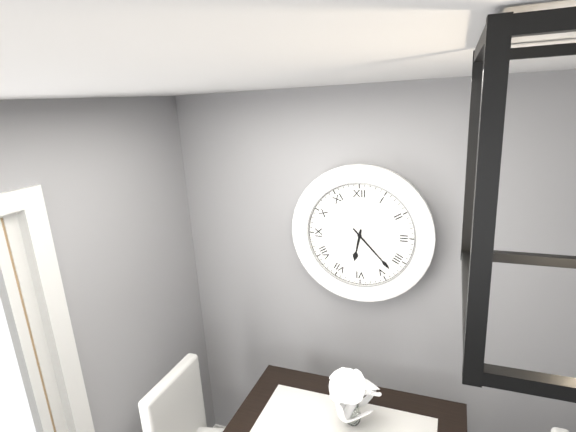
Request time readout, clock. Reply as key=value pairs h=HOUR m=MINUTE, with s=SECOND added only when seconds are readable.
h=6 m=23
